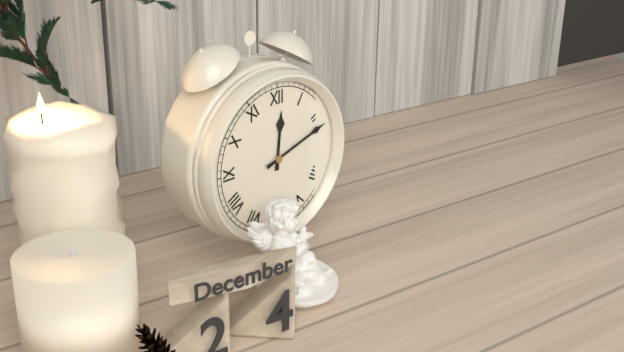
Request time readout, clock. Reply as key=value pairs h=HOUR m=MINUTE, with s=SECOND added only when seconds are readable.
h=12 m=12
